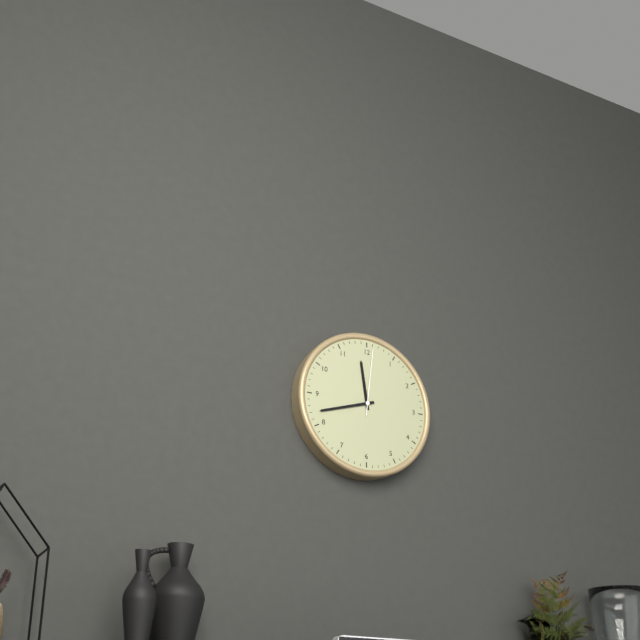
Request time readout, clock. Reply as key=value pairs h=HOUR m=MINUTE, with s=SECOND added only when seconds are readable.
h=11 m=42 s=1
